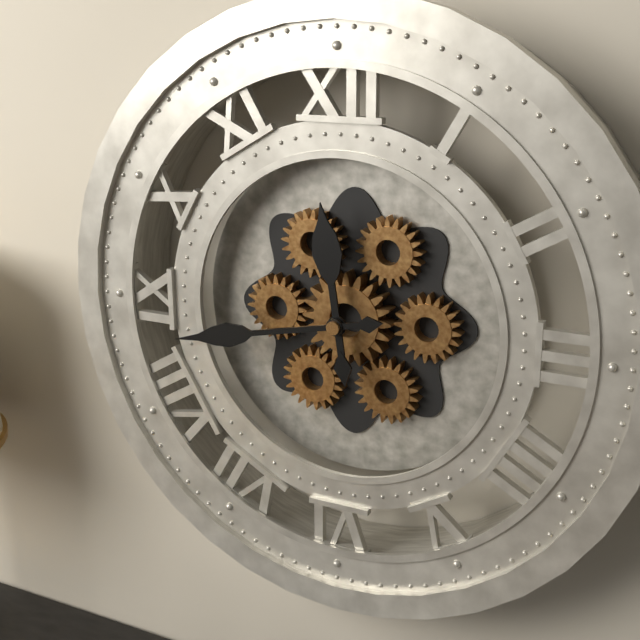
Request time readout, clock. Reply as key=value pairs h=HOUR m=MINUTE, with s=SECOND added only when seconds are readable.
h=11 m=43
